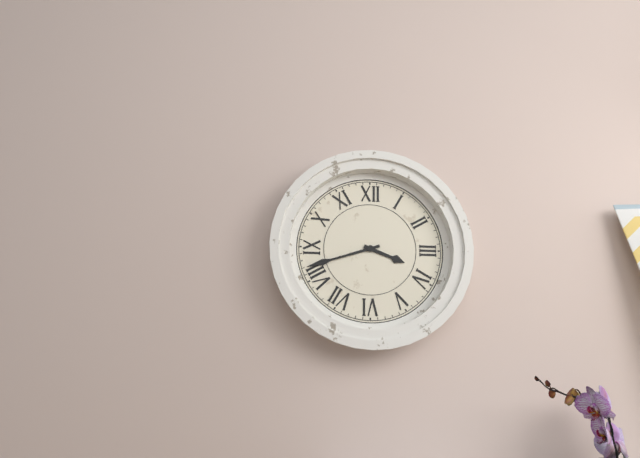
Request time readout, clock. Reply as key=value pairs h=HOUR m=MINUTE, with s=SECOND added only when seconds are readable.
h=3 m=42
